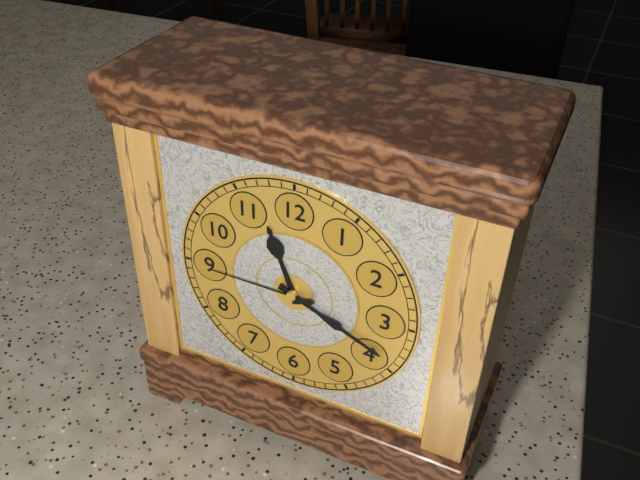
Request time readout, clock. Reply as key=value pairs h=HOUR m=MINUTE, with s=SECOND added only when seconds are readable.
h=11 m=19 s=45
